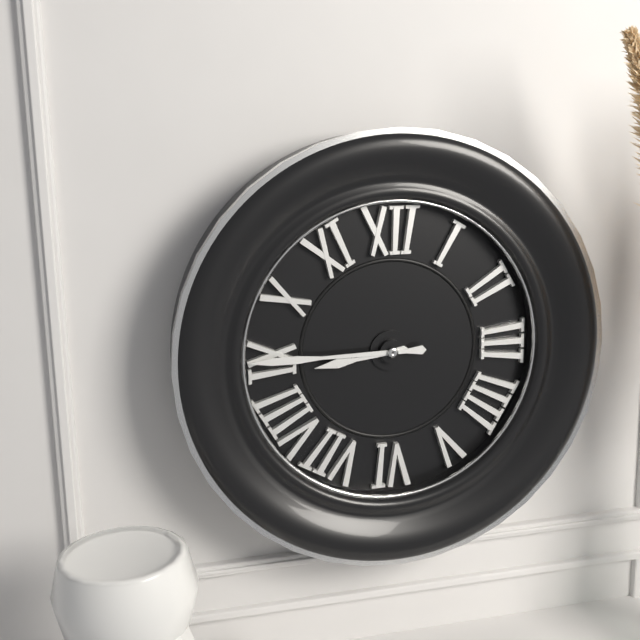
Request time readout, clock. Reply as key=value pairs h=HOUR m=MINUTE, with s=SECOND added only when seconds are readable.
h=8 m=45
